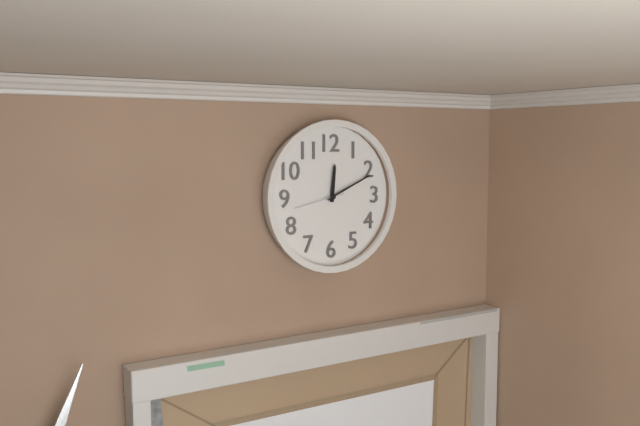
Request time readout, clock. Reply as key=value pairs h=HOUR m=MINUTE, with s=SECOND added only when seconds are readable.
h=12 m=11 s=43
